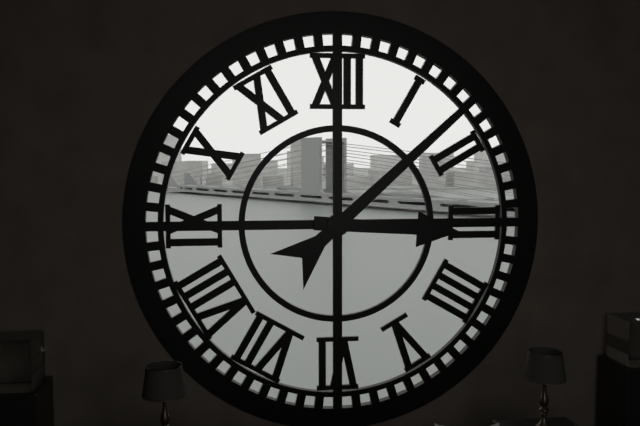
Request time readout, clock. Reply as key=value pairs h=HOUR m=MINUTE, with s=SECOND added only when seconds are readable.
h=3 m=8
